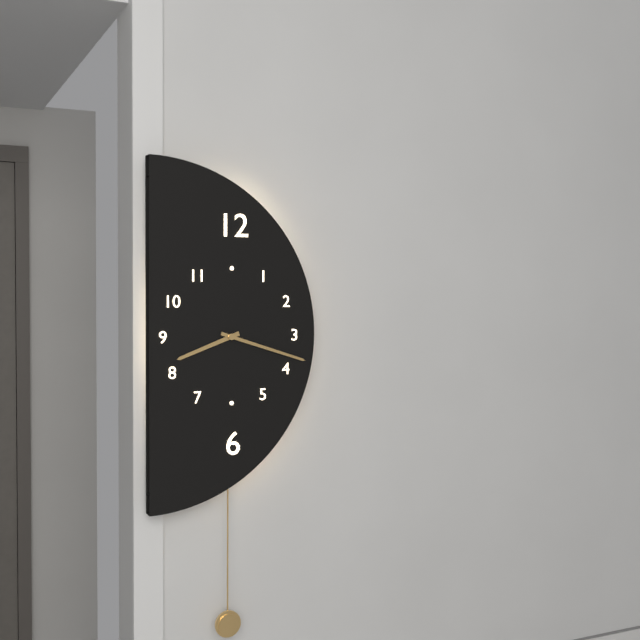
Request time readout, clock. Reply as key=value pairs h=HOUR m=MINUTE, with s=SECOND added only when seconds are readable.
h=8 m=18
